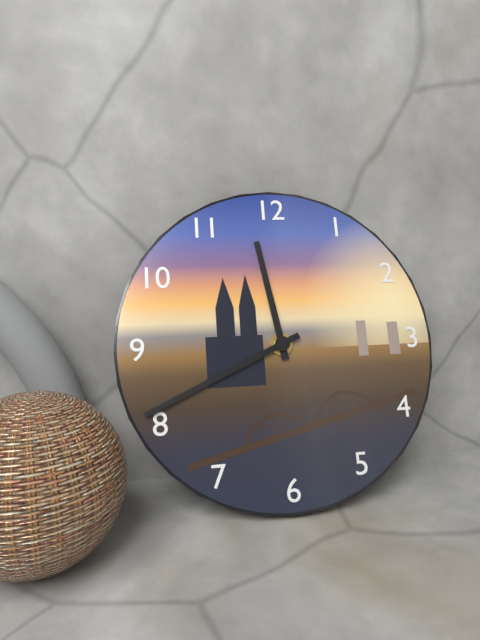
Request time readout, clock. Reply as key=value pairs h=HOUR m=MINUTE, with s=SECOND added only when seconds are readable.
h=11 m=41
